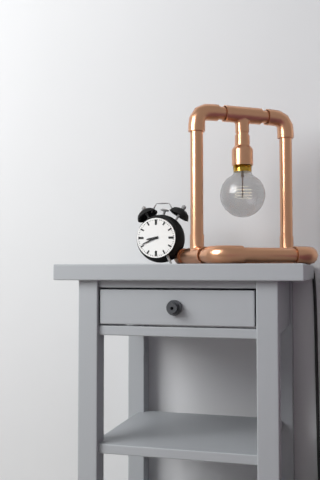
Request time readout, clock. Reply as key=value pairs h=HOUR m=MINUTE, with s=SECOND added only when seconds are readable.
h=8 m=41
